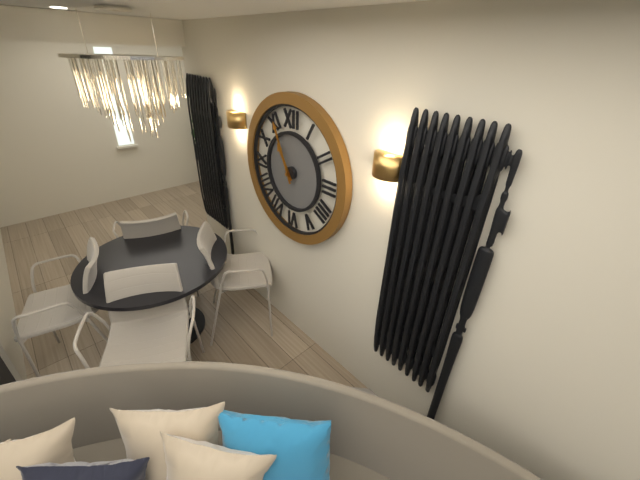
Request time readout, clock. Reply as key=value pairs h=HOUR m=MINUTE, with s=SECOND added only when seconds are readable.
h=10 m=56
